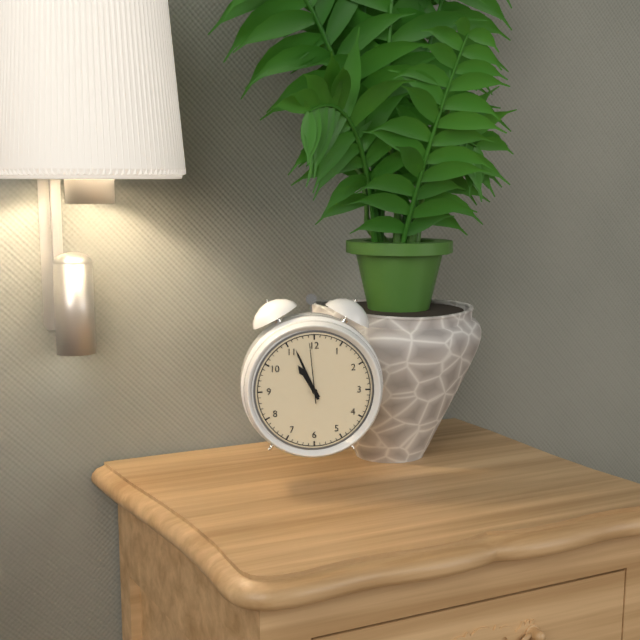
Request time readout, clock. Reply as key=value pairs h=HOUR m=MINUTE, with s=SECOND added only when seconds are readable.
h=10 m=56 s=59
